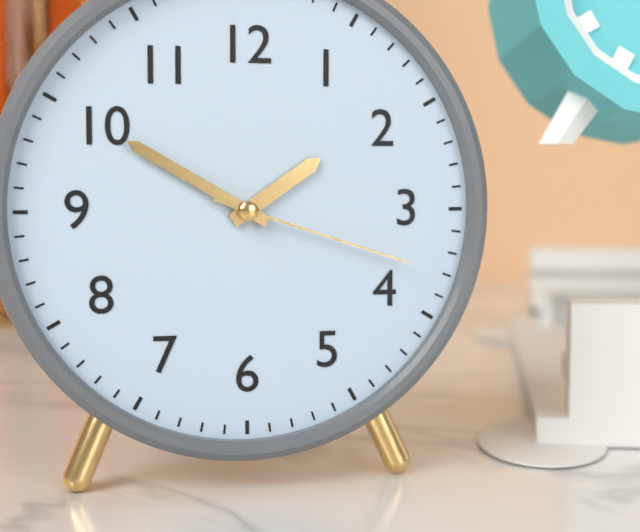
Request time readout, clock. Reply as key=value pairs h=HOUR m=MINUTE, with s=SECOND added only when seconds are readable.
h=1 m=50 s=18
